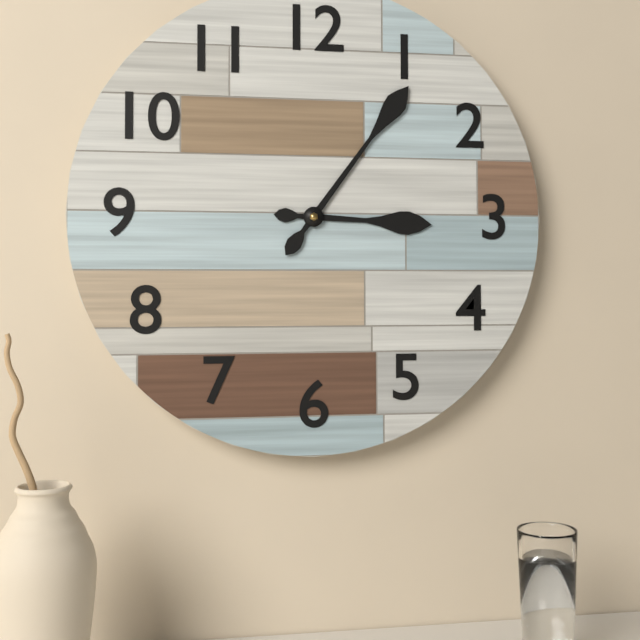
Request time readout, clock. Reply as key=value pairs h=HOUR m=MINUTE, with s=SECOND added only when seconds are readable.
h=3 m=6
